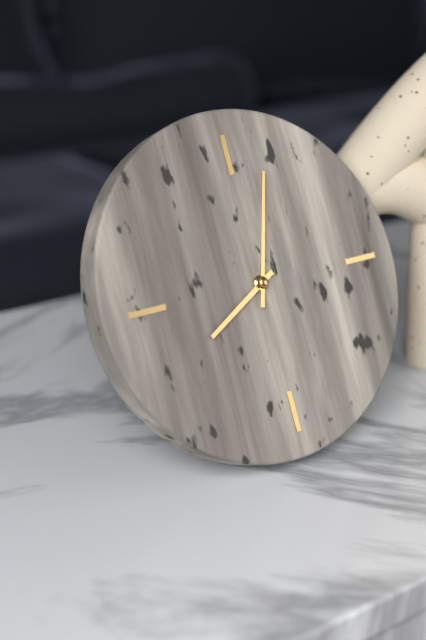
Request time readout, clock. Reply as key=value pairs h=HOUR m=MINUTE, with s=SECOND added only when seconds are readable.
h=8 m=3
